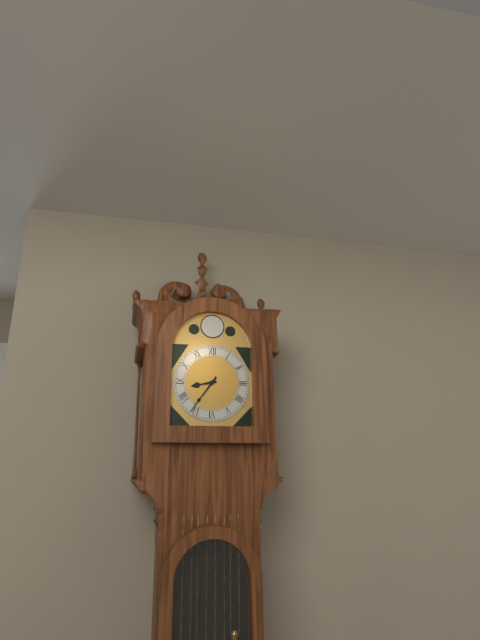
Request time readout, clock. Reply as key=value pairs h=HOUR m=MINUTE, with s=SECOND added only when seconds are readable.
h=8 m=36
